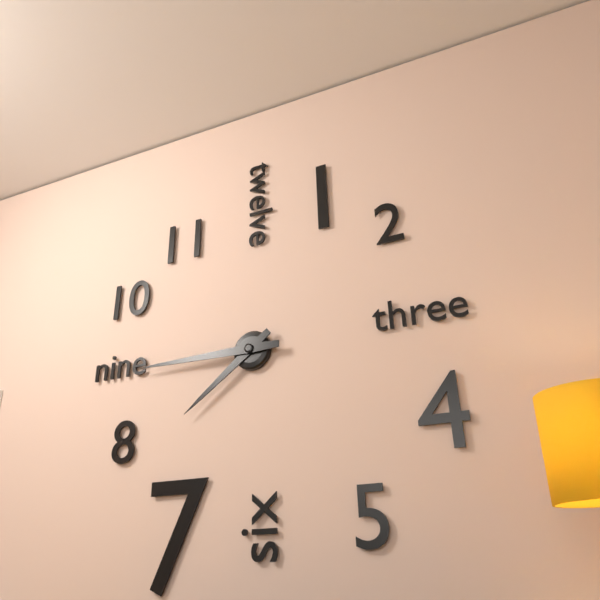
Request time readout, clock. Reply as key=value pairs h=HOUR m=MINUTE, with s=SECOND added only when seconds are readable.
h=7 m=45
